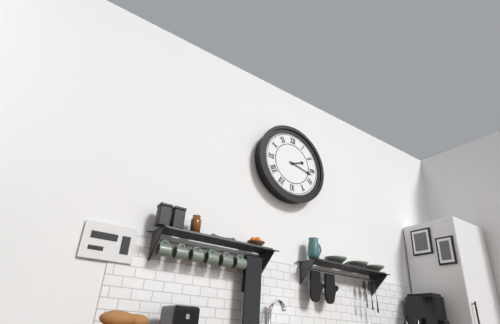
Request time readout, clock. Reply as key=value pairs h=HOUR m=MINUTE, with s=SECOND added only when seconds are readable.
h=2 m=17
